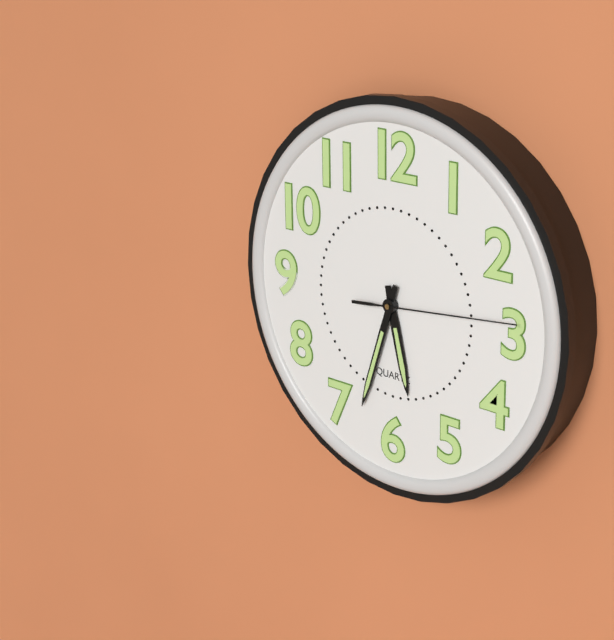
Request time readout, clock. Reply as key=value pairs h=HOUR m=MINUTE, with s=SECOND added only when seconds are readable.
h=5 m=33 s=14
